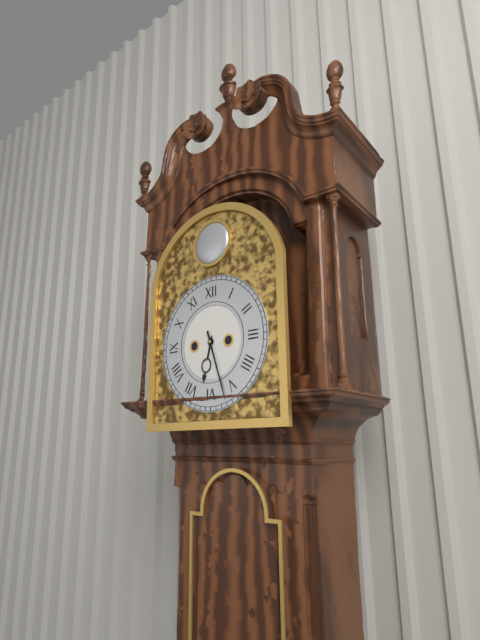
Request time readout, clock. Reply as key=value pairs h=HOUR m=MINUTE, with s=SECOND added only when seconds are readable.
h=6 m=27
